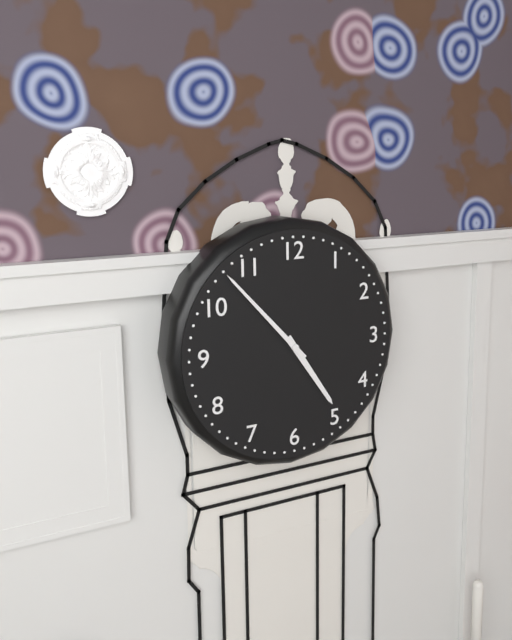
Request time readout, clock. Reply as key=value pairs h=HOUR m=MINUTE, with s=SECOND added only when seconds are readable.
h=4 m=53
